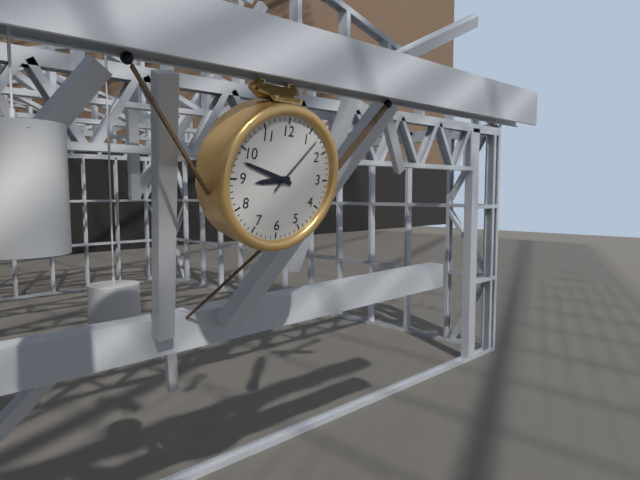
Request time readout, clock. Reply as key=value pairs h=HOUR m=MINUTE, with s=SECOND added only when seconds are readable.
h=8 m=48 s=7
